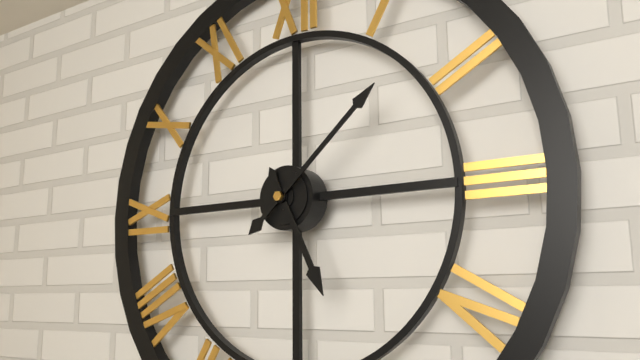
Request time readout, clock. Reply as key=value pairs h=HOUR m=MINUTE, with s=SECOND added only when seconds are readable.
h=5 m=8
